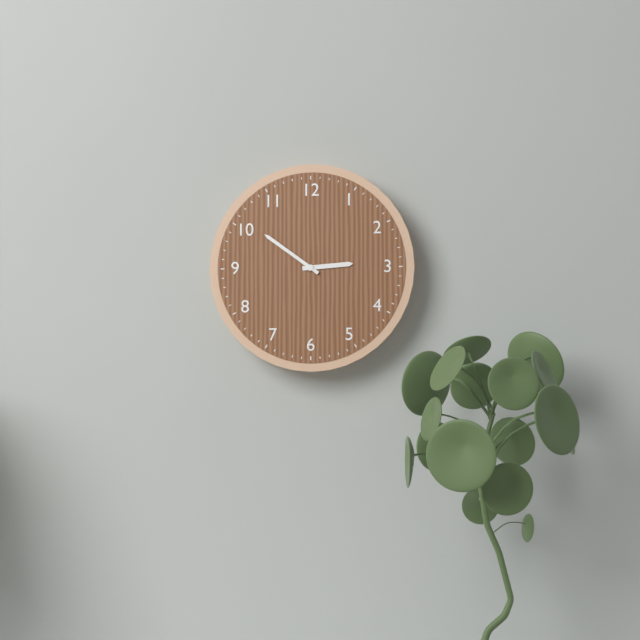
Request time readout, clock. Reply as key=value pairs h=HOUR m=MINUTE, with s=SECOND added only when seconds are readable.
h=2 m=51
